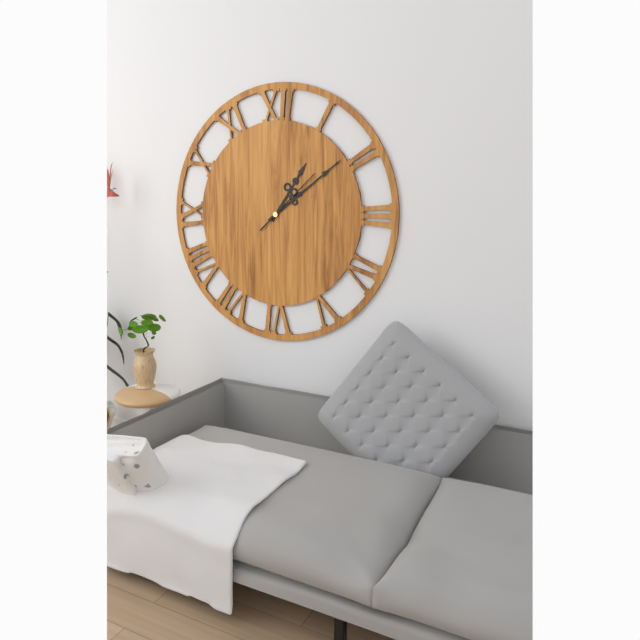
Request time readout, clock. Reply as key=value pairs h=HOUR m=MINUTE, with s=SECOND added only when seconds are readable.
h=1 m=9 s=8
